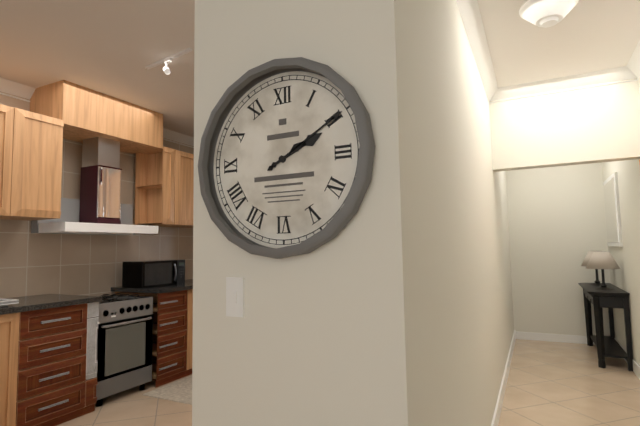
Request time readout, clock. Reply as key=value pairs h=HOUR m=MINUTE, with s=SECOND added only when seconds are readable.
h=2 m=10
